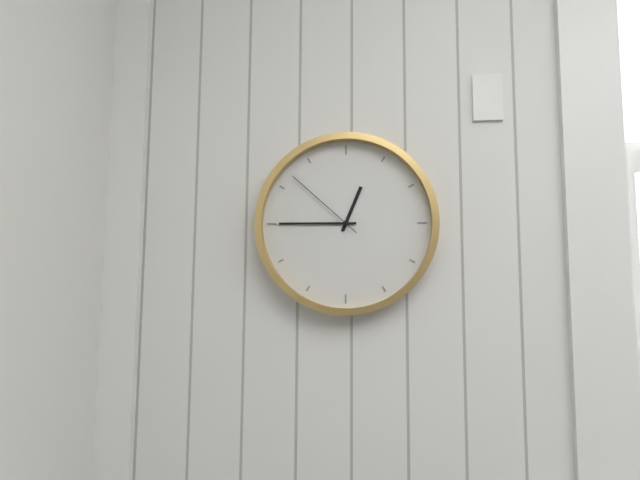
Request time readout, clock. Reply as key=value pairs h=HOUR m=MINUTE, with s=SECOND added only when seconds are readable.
h=12 m=45 s=52
